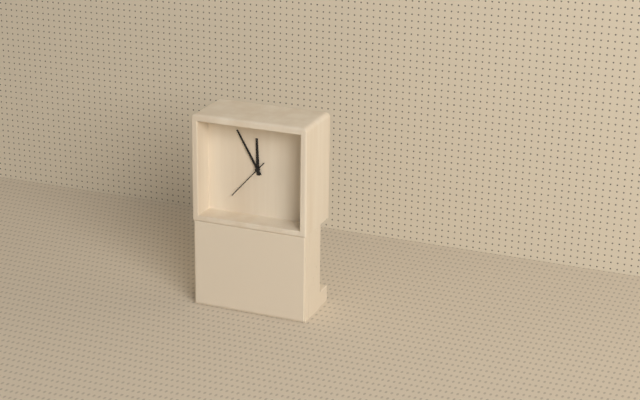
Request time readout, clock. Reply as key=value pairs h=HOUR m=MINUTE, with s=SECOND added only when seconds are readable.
h=11 m=55
